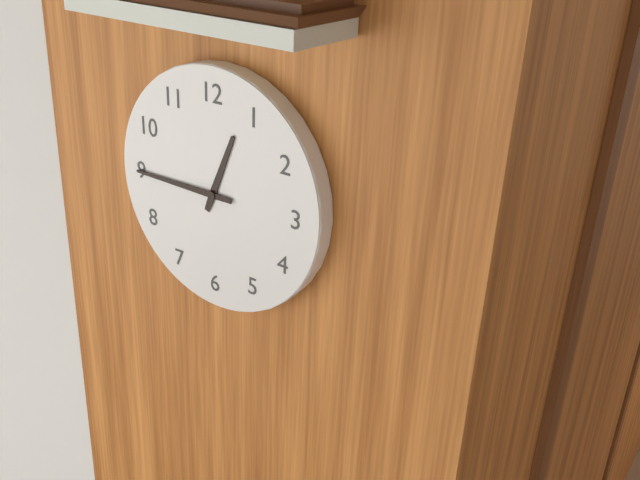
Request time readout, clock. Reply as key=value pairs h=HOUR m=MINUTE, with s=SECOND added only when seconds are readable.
h=12 m=45
